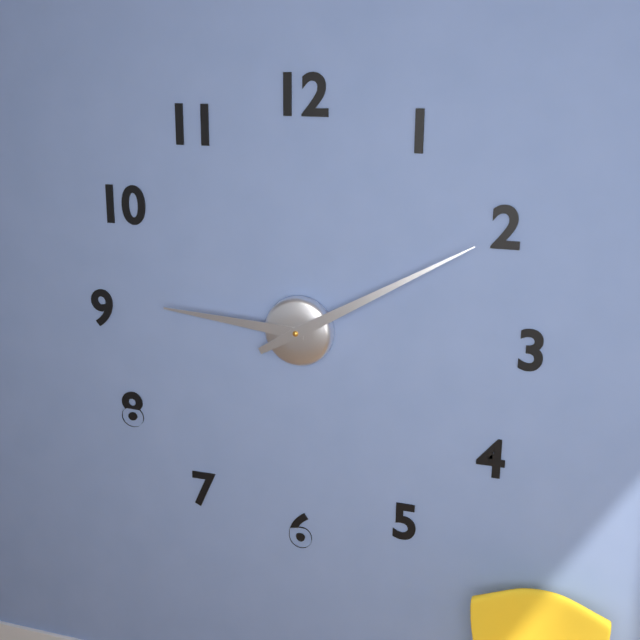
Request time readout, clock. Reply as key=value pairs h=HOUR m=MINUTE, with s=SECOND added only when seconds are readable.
h=9 m=10
